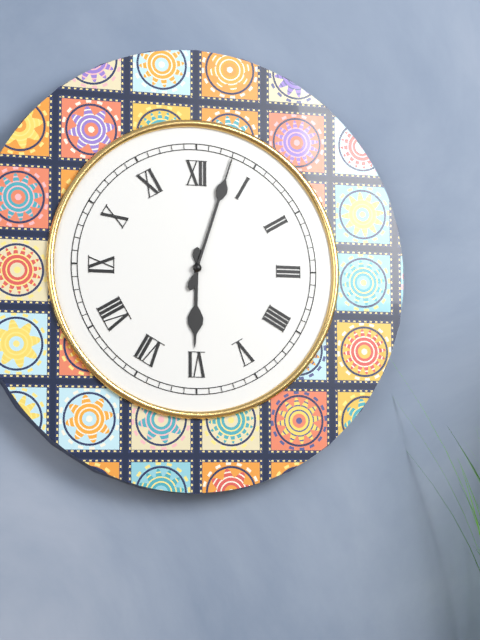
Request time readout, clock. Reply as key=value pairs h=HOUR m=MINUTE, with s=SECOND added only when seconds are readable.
h=6 m=3
